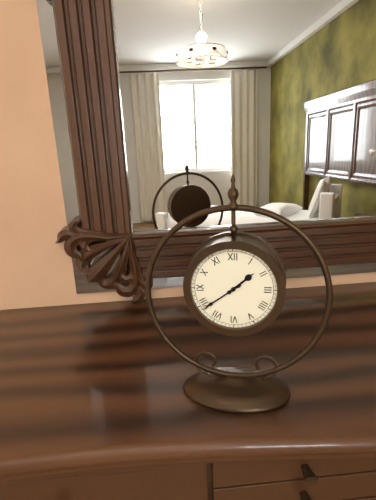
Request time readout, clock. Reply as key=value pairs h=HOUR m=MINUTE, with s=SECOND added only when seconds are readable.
h=1 m=39
